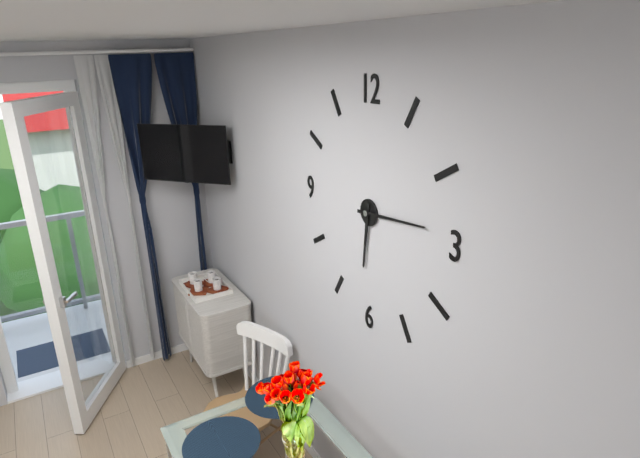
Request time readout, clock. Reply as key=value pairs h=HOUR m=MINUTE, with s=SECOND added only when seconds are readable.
h=6 m=14
